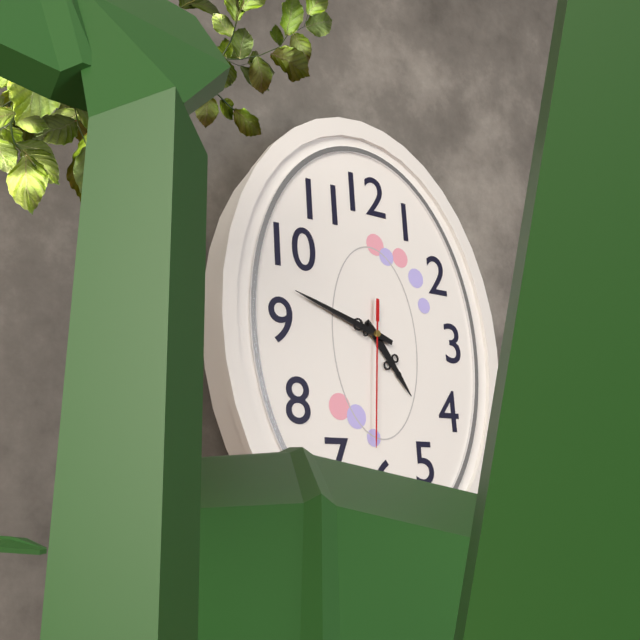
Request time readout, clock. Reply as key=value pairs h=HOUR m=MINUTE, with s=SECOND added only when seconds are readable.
h=4 m=48 s=31
